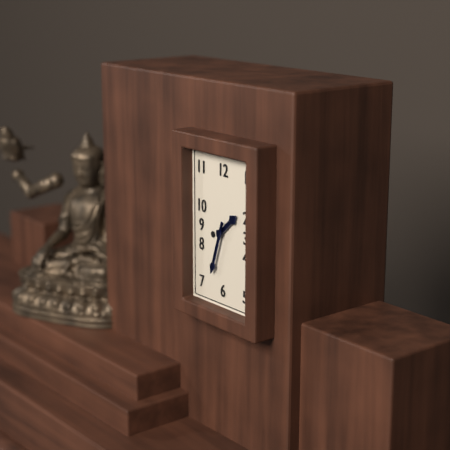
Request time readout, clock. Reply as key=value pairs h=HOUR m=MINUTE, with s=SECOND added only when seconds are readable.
h=1 m=33
